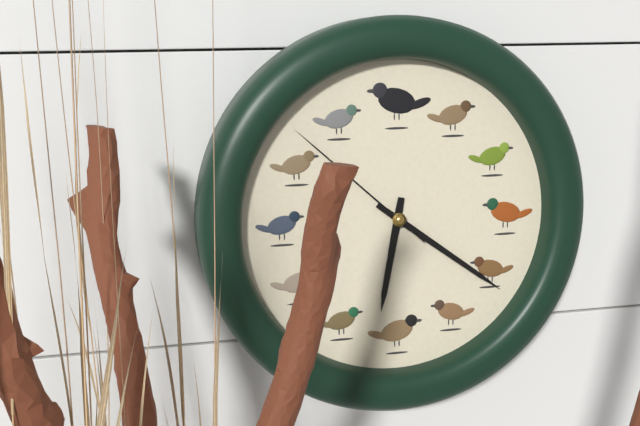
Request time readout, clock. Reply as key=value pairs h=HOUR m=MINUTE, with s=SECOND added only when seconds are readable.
h=6 m=21 s=52
